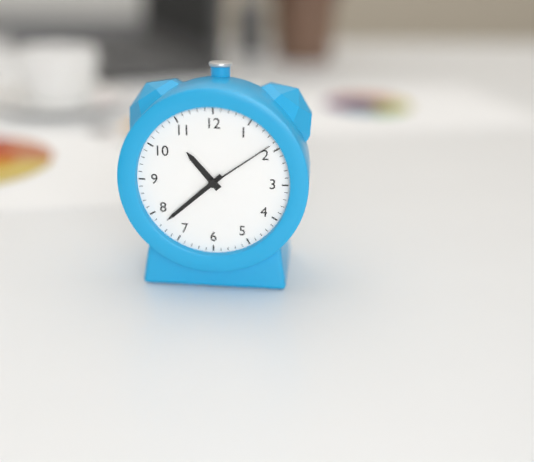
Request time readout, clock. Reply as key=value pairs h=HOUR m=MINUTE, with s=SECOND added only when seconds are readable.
h=10 m=38 s=9
